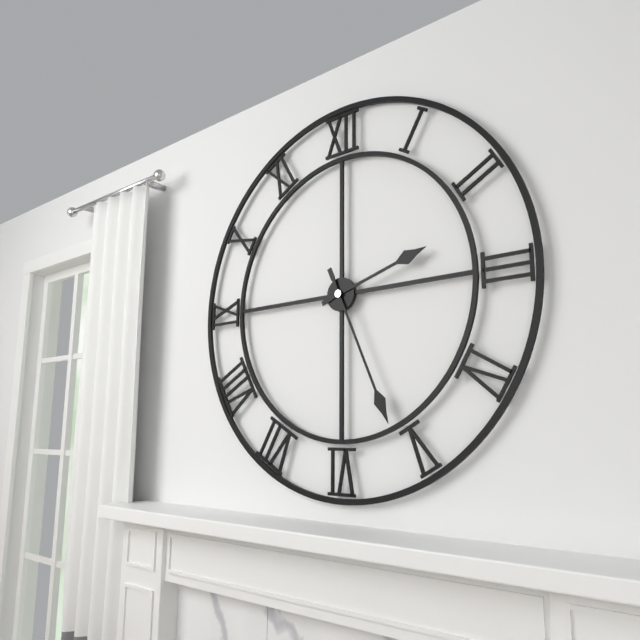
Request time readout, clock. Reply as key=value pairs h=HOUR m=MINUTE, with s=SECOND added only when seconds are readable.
h=2 m=26
